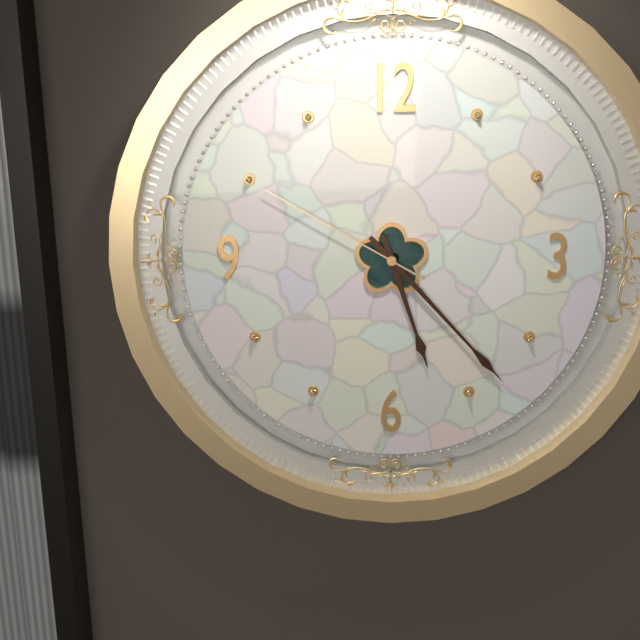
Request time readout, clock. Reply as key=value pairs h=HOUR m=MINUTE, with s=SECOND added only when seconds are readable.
h=5 m=23 s=50
